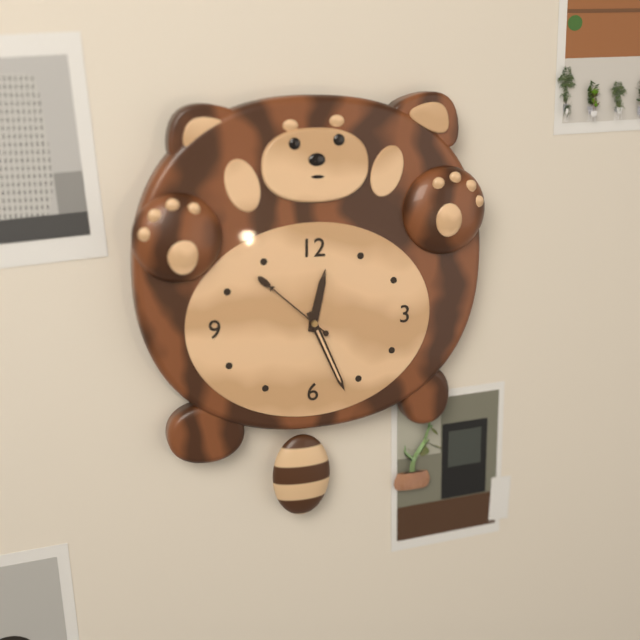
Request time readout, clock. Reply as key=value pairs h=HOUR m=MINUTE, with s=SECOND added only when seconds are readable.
h=12 m=26 s=52
